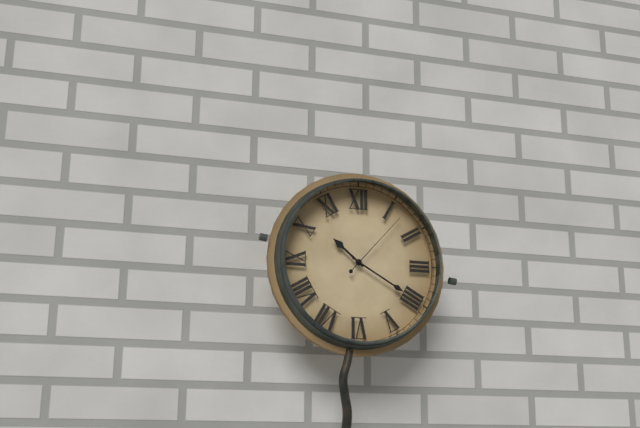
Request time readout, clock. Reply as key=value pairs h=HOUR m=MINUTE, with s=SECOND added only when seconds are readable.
h=10 m=20 s=7
